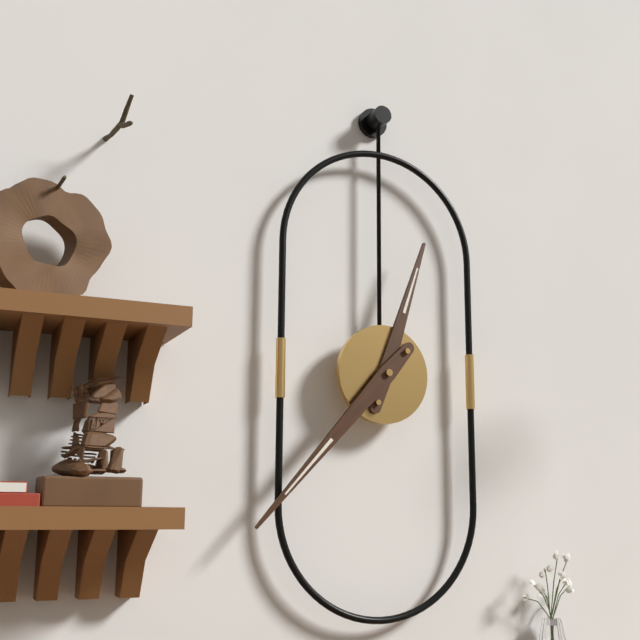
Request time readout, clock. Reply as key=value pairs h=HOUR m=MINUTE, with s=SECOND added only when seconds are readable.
h=12 m=37
